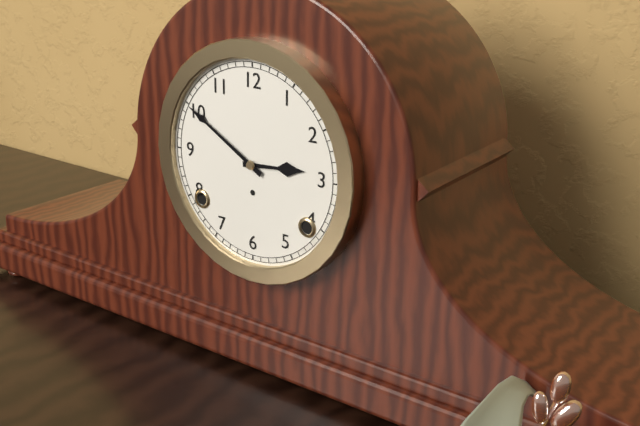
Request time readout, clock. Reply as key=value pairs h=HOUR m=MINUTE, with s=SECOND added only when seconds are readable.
h=2 m=50
